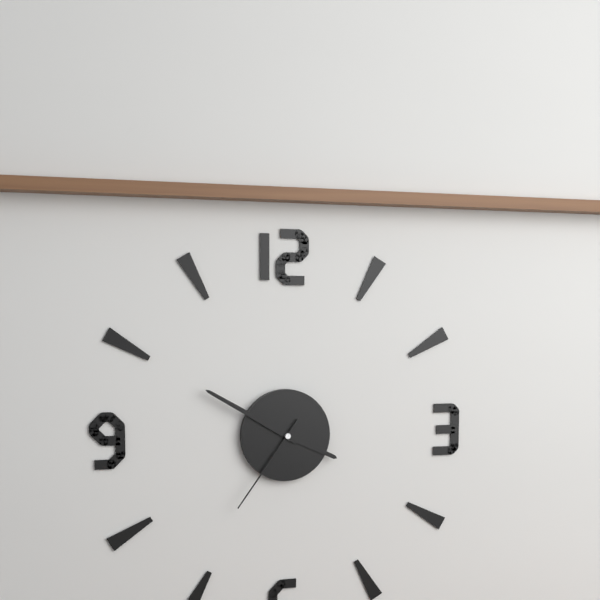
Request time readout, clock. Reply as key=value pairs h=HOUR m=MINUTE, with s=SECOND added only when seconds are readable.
h=3 m=50 s=36
